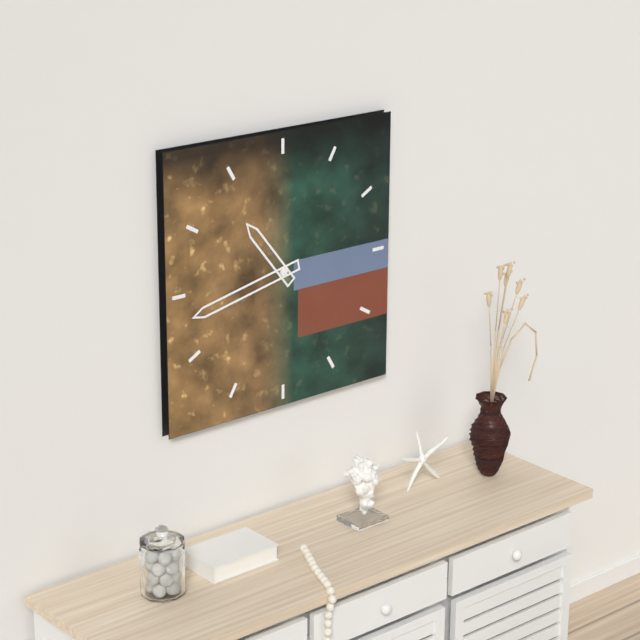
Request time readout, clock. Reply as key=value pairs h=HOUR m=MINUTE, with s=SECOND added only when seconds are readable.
h=10 m=43
